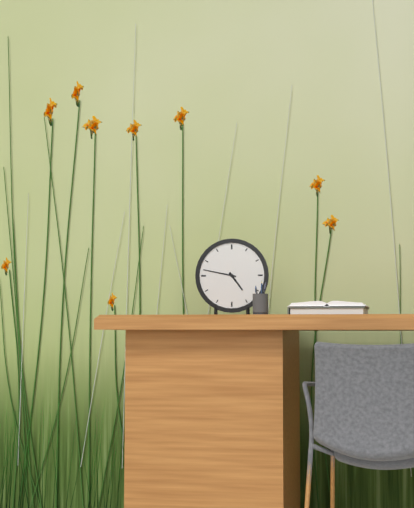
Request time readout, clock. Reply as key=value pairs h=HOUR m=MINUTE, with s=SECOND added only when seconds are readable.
h=4 m=47
